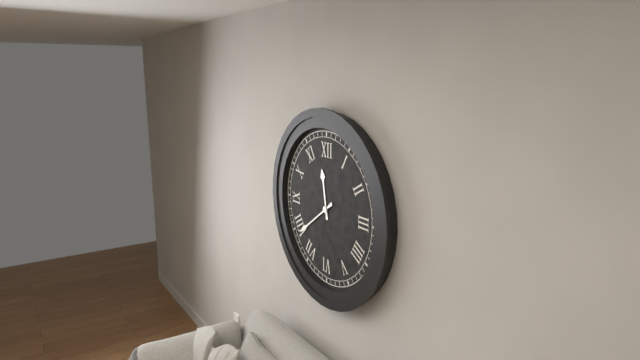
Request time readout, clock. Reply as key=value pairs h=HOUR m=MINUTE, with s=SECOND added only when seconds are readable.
h=11 m=39
